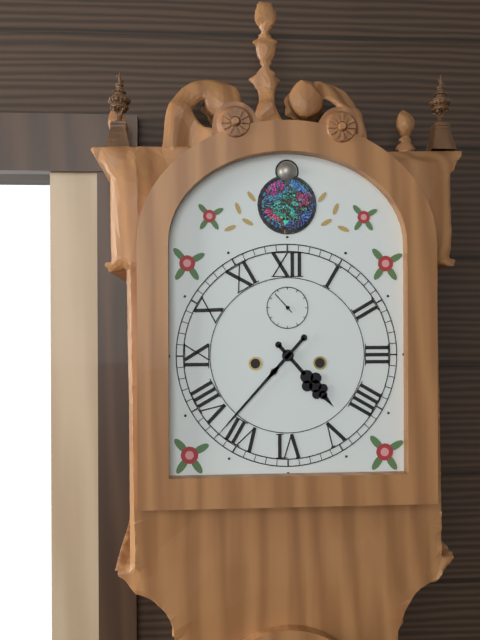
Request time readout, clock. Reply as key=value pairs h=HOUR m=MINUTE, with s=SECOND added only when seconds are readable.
h=4 m=37
